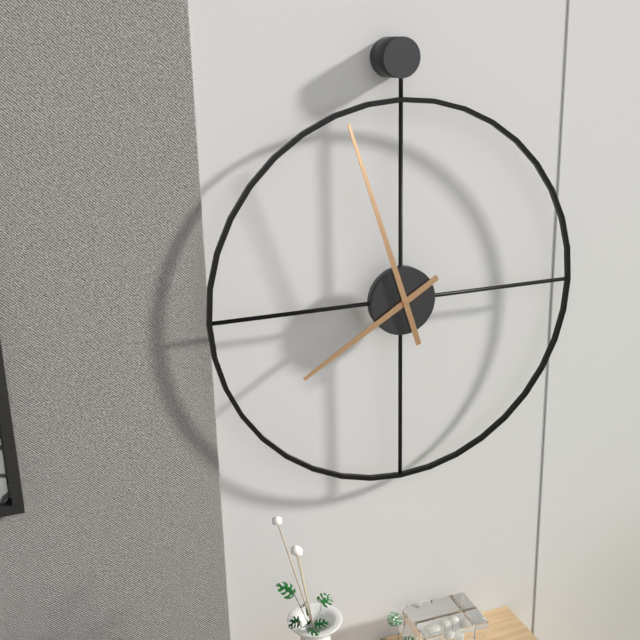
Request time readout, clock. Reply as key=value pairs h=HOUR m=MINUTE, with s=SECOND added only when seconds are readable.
h=7 m=57
